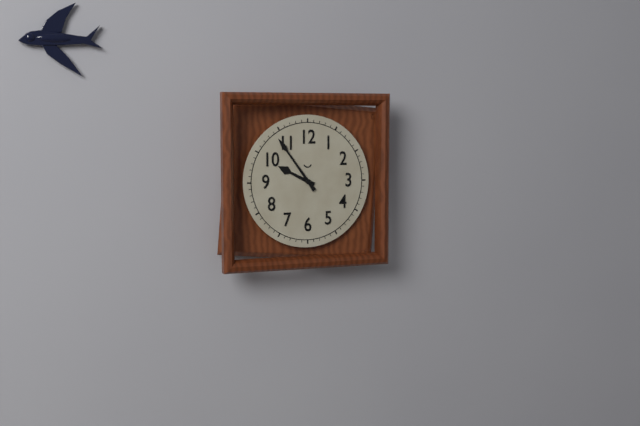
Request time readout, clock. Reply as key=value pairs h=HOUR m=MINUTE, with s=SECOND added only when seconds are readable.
h=9 m=54
